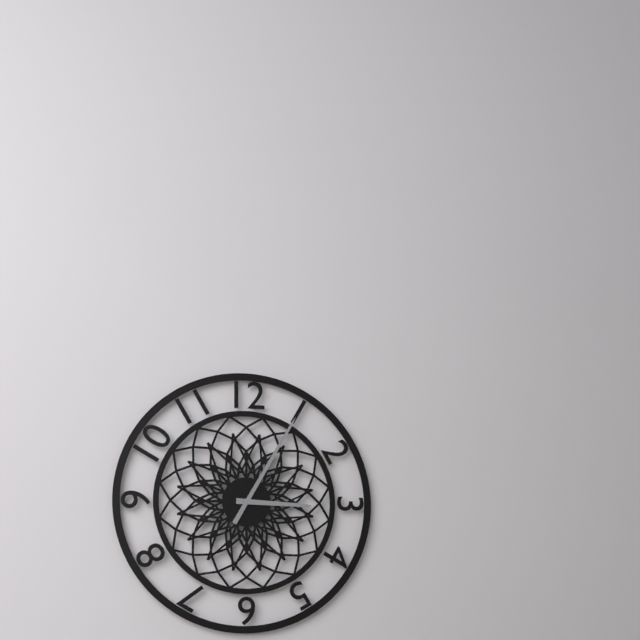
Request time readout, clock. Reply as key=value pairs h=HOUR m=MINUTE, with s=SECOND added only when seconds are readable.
h=3 m=5
